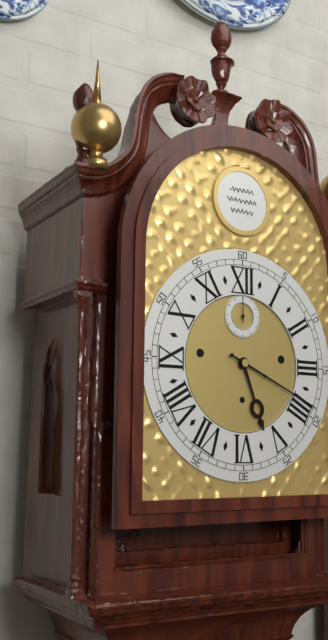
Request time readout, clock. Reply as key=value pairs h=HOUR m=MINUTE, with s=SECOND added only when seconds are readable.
h=5 m=19
